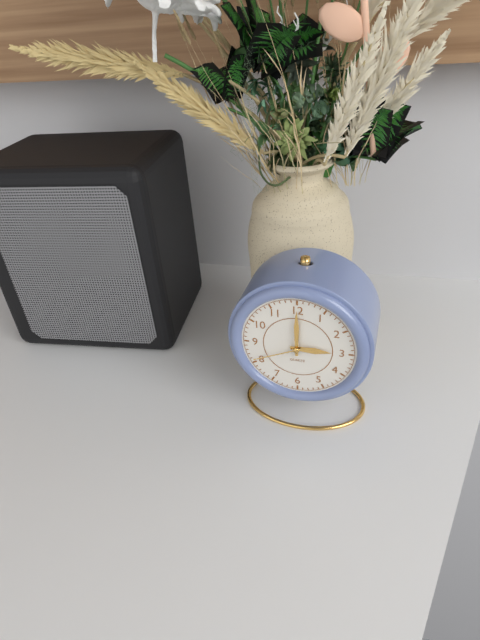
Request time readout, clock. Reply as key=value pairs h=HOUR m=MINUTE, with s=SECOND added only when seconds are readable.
h=3 m=0 s=41
